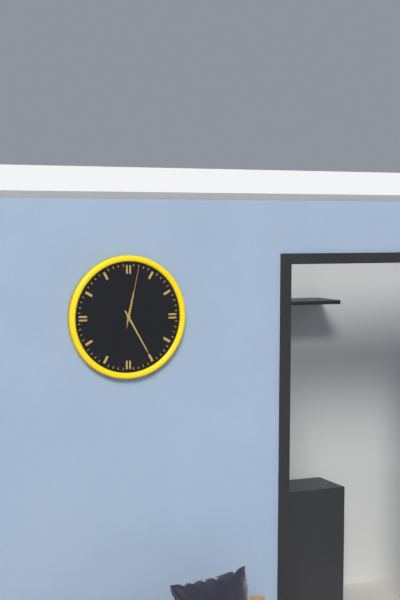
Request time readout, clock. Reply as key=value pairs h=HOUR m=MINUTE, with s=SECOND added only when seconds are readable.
h=12 m=25 s=2
